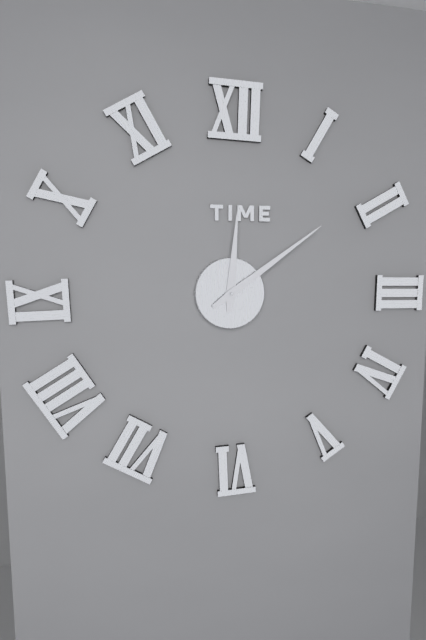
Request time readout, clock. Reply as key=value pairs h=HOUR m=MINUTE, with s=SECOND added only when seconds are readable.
h=12 m=9
